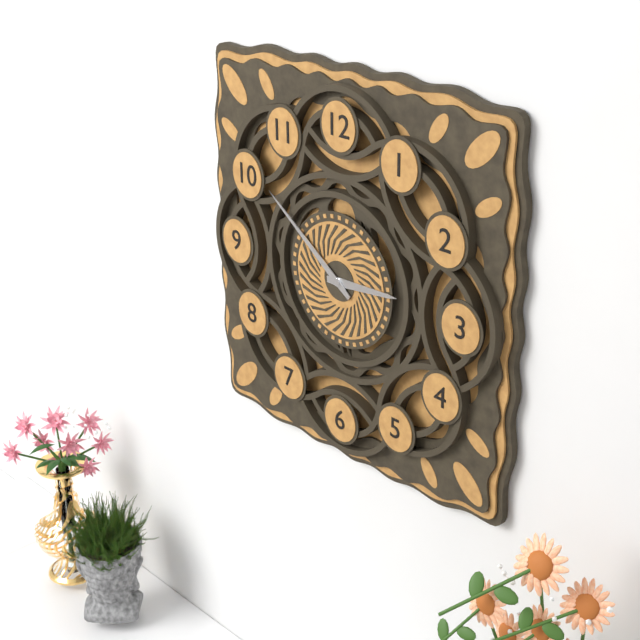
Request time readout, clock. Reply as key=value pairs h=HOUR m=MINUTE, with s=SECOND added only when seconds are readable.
h=2 m=51
